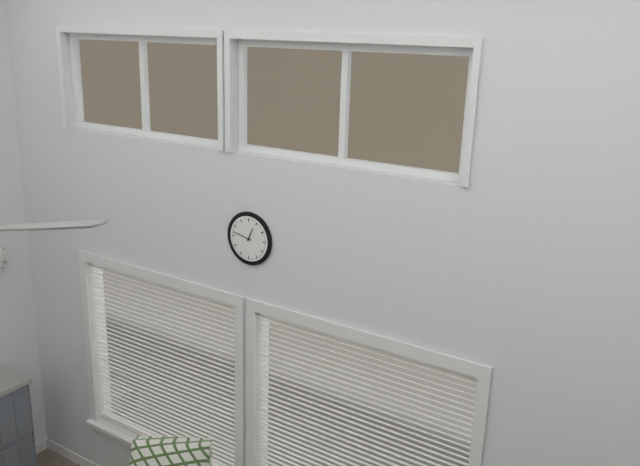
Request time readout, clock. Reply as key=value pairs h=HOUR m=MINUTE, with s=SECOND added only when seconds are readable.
h=12 m=47
